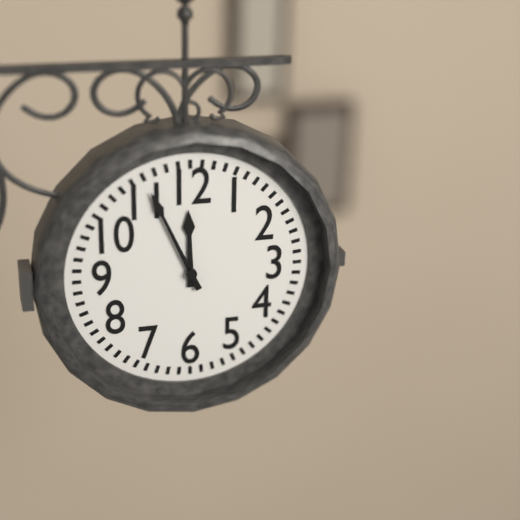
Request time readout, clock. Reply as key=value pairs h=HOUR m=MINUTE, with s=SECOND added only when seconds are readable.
h=11 m=56
